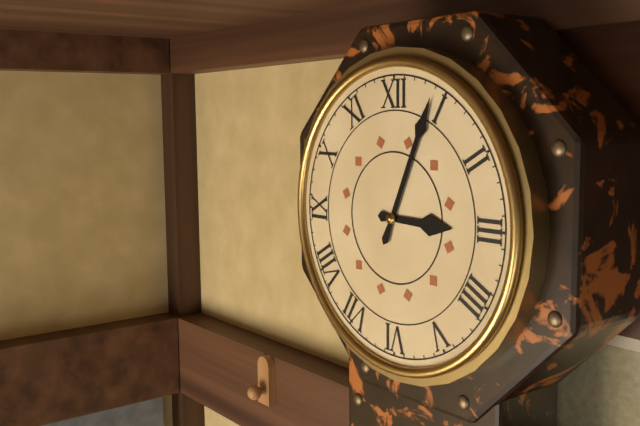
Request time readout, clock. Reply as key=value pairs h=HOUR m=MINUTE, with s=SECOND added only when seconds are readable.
h=3 m=4
